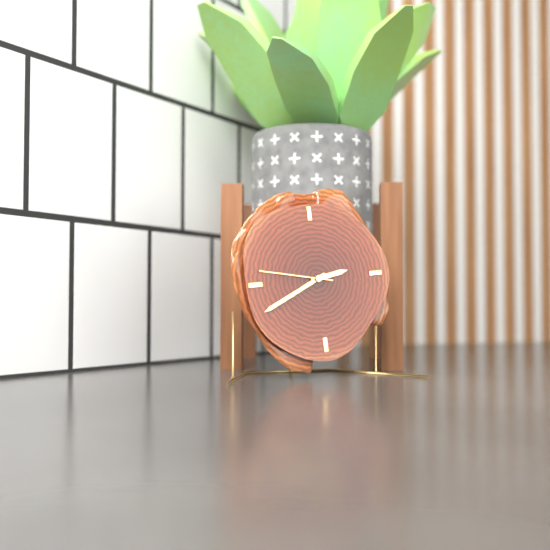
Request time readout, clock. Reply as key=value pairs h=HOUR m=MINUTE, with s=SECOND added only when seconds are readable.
h=2 m=41 s=47
